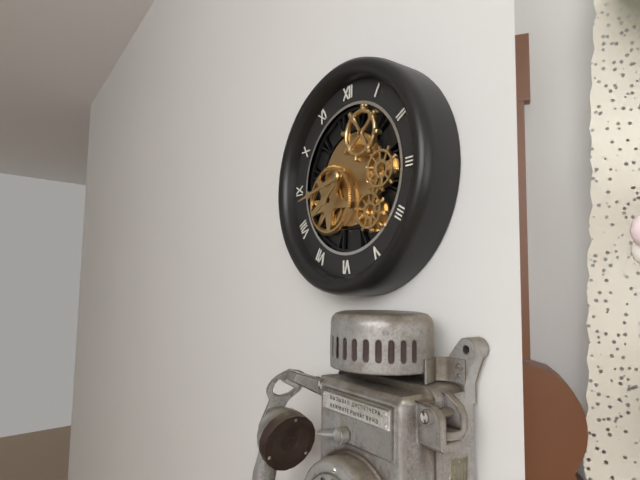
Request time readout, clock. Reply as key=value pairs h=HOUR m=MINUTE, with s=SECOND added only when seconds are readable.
h=7 m=43
